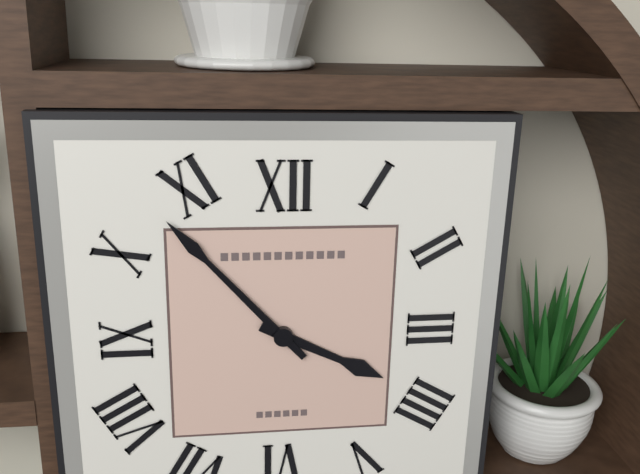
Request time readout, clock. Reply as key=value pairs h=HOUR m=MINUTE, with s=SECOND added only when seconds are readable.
h=3 m=53
